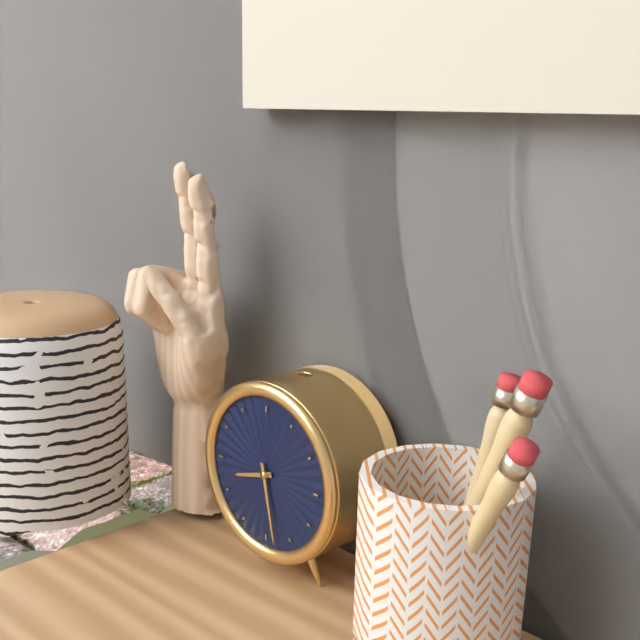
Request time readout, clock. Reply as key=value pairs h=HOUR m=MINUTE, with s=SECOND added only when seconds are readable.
h=8 m=28
